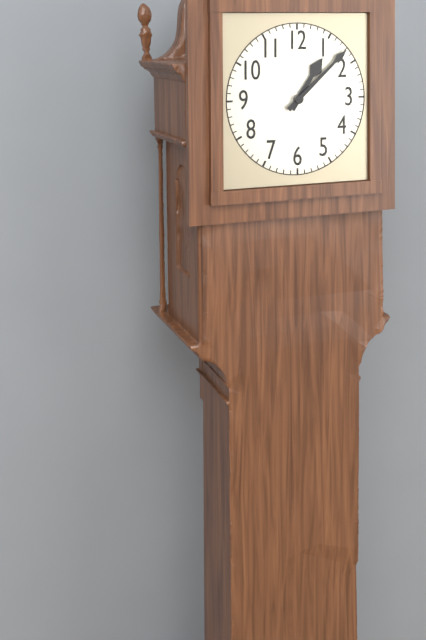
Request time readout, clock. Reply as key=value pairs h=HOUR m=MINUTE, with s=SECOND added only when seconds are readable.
h=1 m=8
